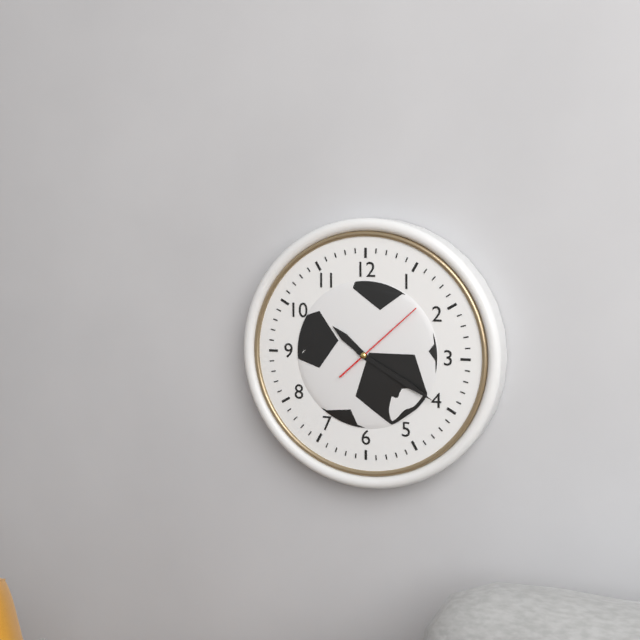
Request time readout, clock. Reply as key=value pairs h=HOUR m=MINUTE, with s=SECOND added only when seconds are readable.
h=10 m=20 s=8
